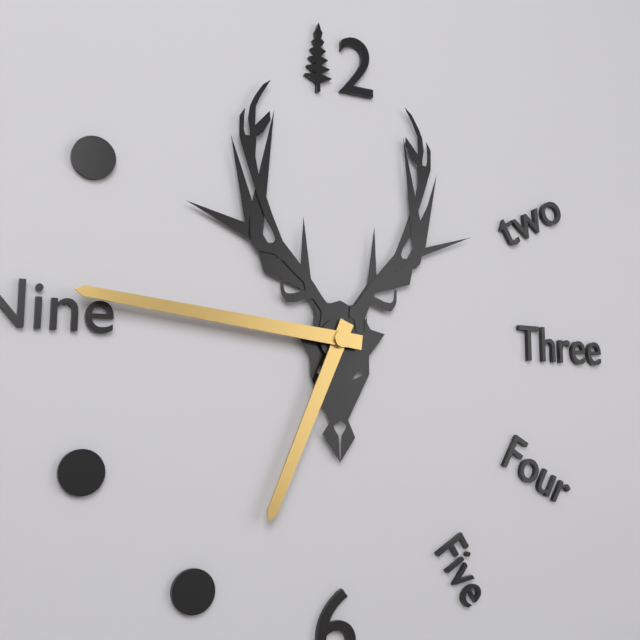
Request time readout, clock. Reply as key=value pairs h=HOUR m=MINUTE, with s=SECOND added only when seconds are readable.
h=6 m=46
